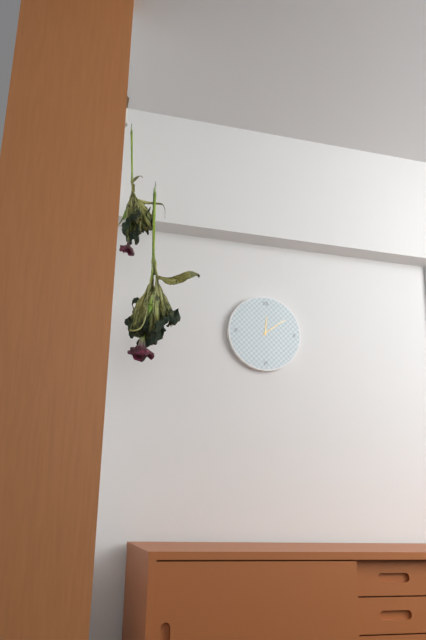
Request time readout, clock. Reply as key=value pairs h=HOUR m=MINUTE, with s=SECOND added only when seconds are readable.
h=12 m=9
